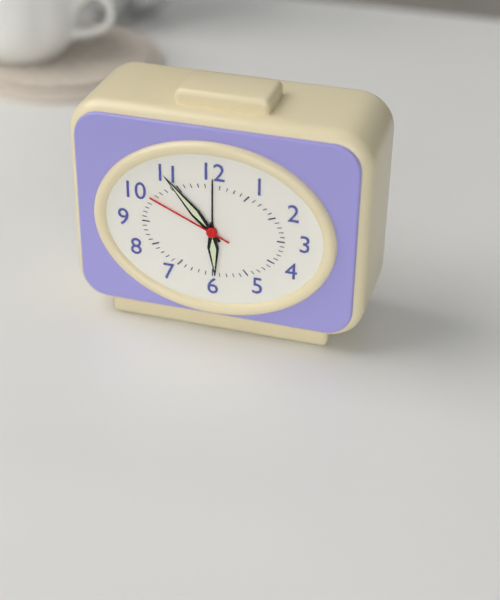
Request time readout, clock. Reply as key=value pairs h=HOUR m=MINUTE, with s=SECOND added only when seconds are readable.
h=5 m=53 s=49
